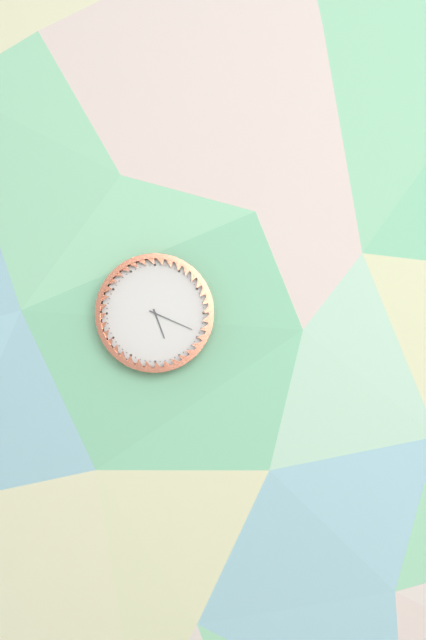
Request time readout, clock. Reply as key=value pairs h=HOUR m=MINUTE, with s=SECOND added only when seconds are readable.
h=5 m=19
